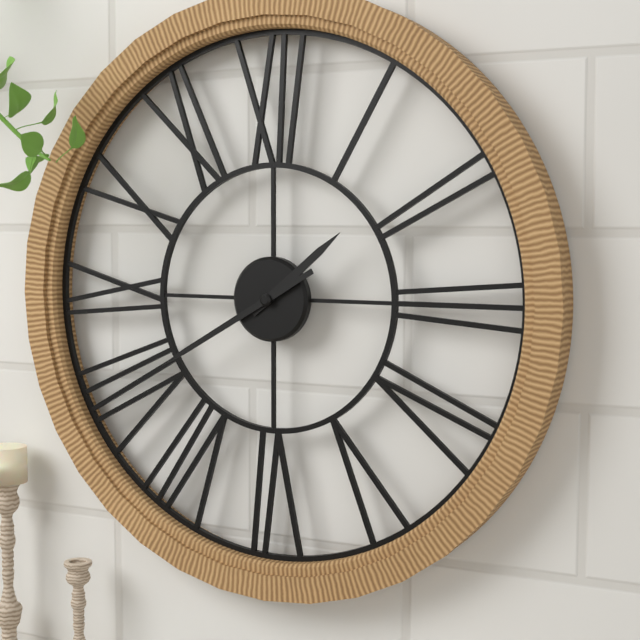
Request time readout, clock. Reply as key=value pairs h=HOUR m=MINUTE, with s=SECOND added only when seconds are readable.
h=1 m=40
